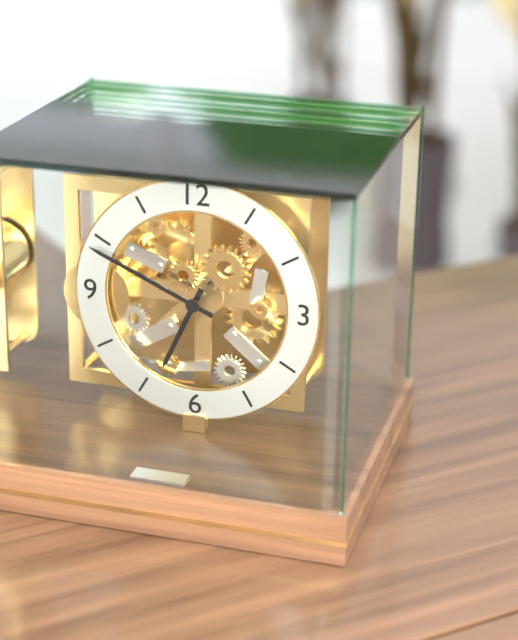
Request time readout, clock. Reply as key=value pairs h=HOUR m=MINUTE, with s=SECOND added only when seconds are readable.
h=6 m=49
